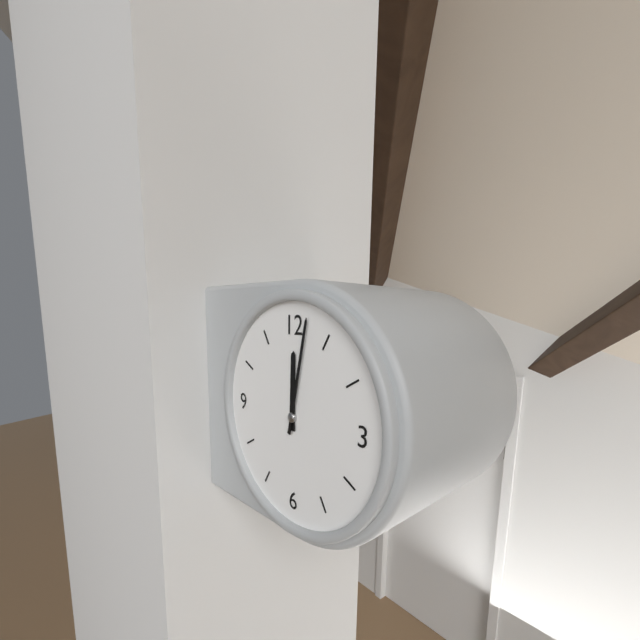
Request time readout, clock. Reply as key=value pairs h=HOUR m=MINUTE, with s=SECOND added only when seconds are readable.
h=12 m=2
